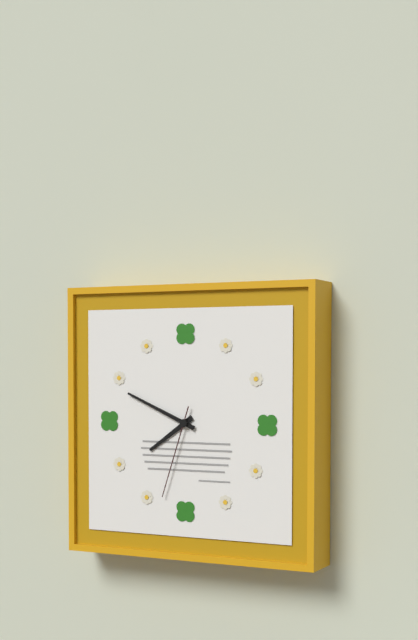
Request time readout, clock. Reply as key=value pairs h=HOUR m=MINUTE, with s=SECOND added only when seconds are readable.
h=7 m=49 s=33
